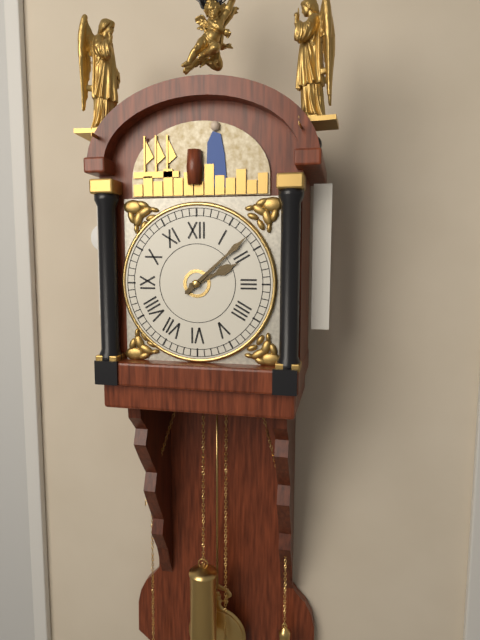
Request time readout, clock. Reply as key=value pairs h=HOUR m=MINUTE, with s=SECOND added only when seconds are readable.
h=2 m=8
